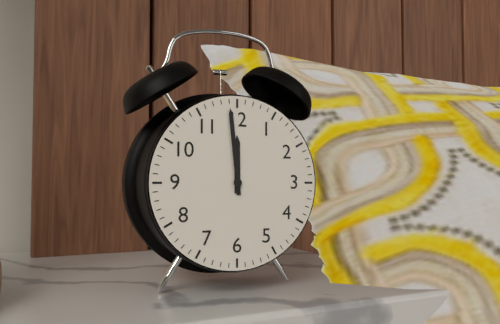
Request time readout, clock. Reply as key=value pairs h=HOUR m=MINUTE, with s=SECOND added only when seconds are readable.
h=11 m=59
